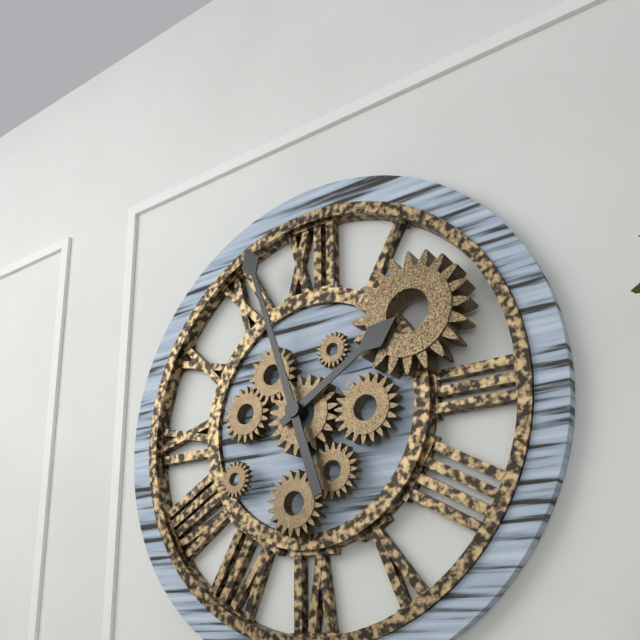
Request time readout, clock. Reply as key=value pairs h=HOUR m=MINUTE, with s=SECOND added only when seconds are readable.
h=1 m=57
